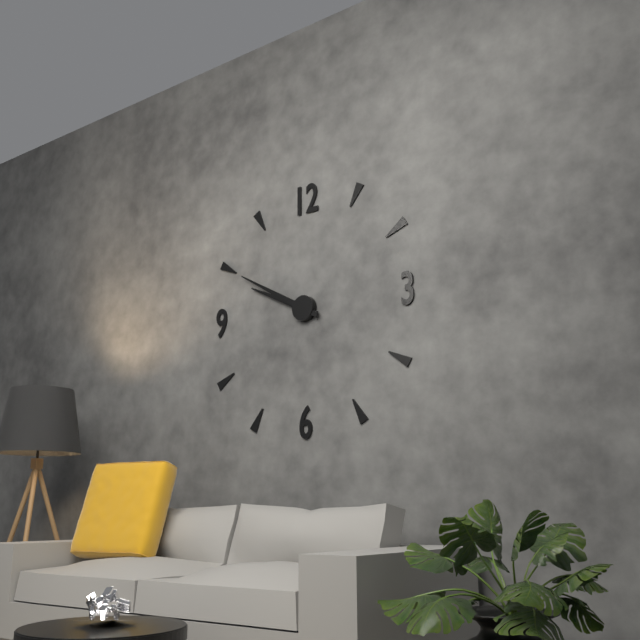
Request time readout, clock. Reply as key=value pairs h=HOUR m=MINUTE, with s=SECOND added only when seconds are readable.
h=9 m=50
